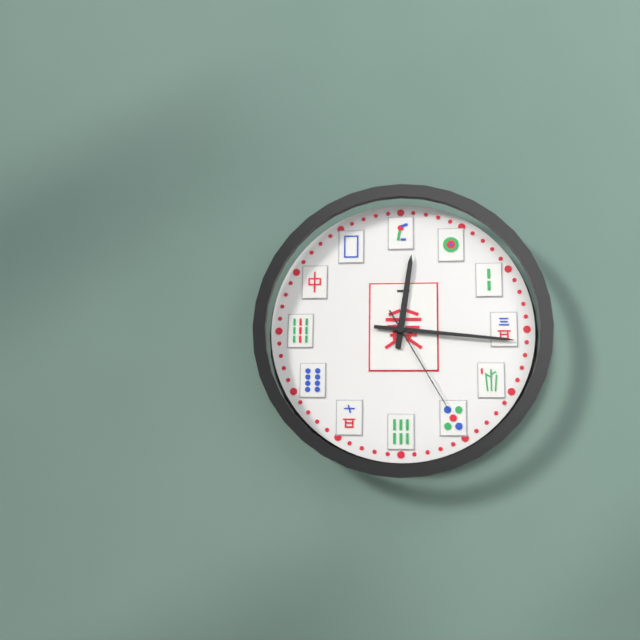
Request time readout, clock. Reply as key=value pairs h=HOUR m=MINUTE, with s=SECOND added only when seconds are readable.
h=12 m=16 s=25
